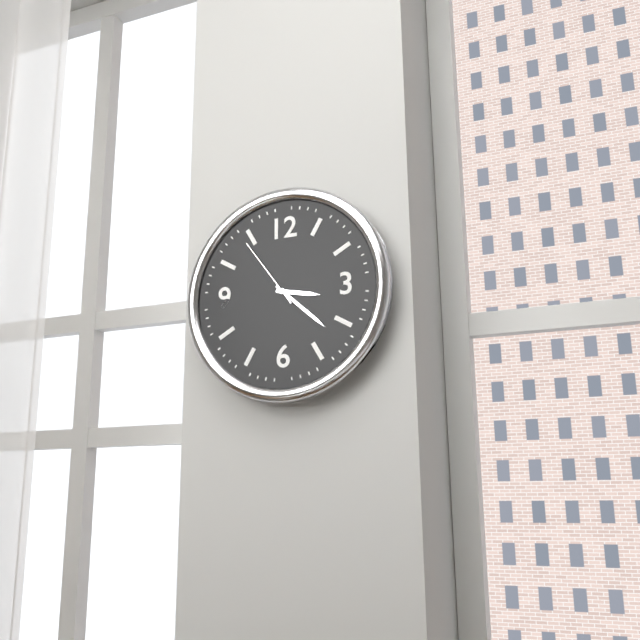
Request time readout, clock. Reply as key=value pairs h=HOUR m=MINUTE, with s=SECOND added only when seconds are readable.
h=3 m=22 s=54
